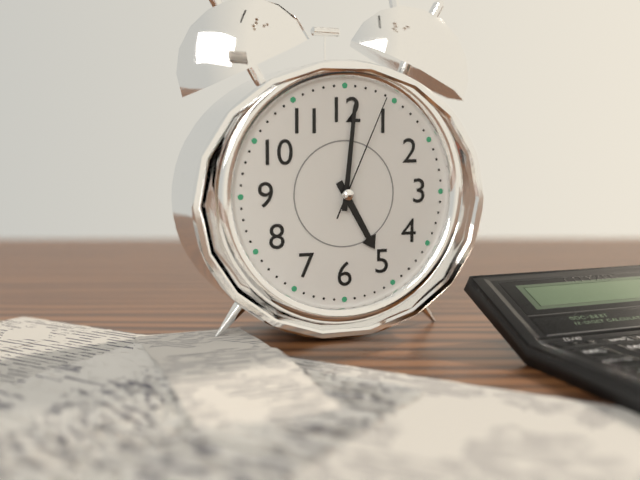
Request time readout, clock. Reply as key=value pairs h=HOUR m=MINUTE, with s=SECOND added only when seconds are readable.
h=5 m=1 s=4
